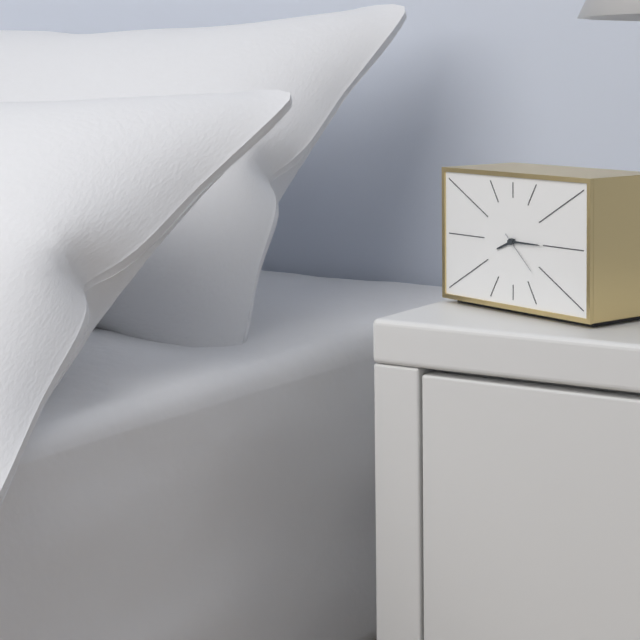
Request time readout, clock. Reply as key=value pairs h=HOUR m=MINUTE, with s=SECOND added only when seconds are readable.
h=8 m=15
